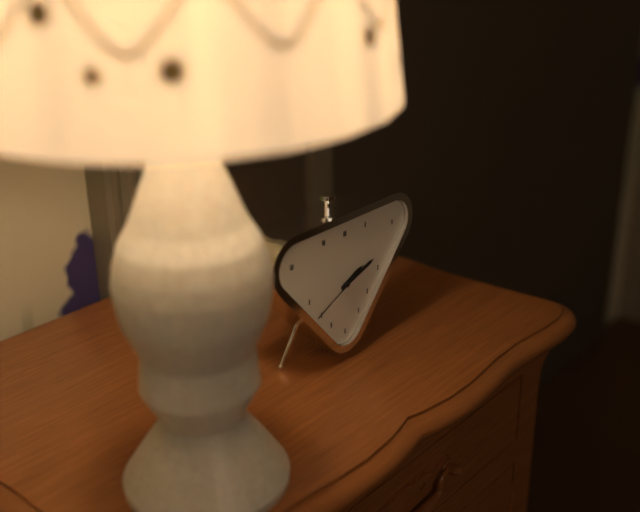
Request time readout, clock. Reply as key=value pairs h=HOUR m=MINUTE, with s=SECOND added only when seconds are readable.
h=2 m=12 s=41
